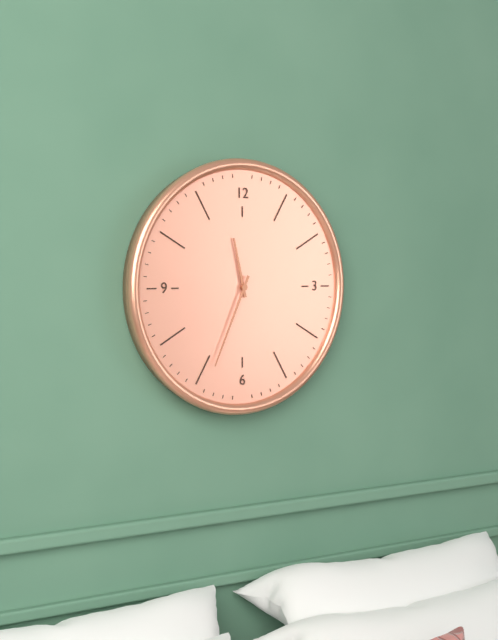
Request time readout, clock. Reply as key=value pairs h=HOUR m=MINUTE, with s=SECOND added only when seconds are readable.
h=11 m=34
